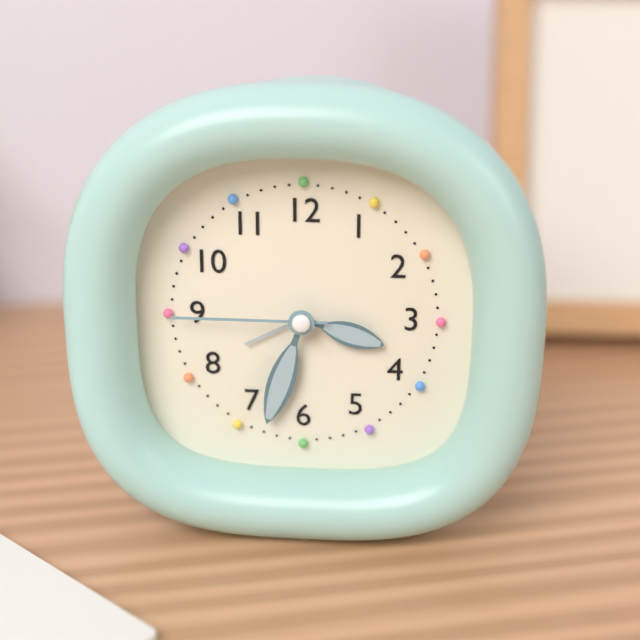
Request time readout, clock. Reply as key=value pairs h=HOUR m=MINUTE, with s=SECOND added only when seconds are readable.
h=3 m=33 s=45
